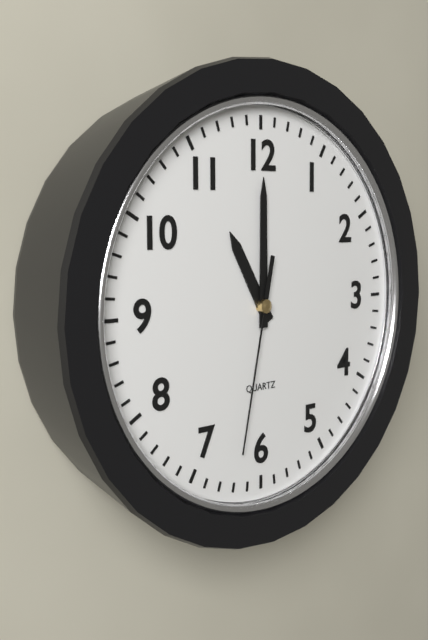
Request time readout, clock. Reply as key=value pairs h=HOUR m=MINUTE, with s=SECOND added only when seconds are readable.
h=11 m=0 s=32
